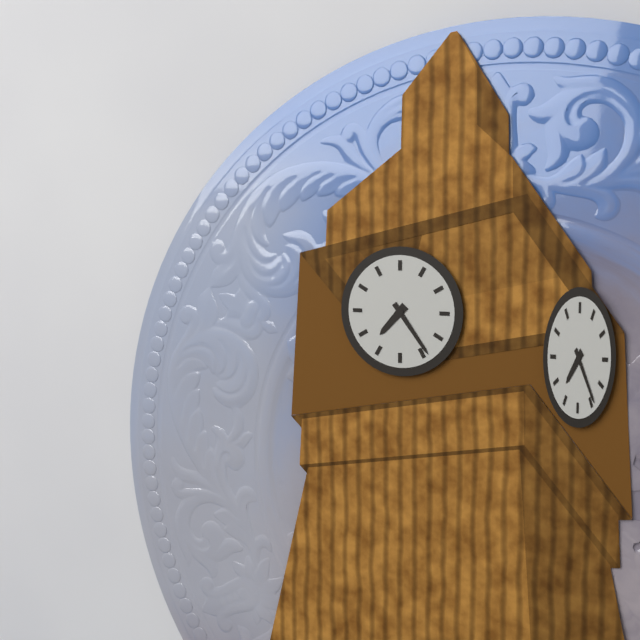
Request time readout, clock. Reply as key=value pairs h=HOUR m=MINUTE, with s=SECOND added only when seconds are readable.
h=7 m=24
